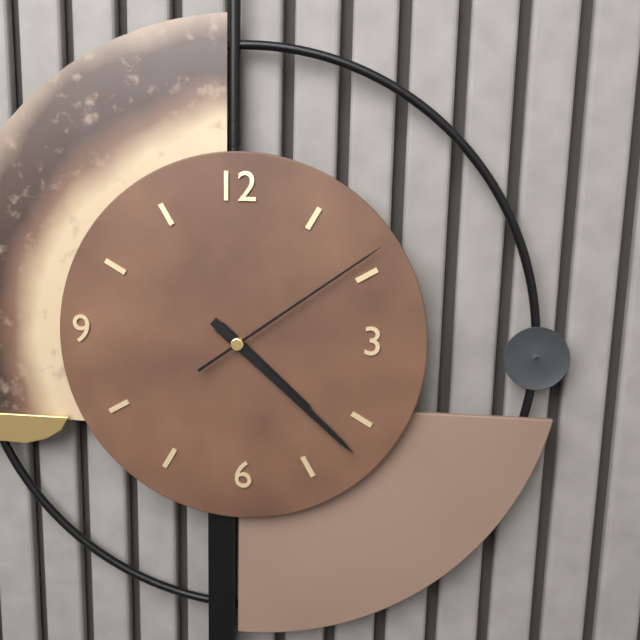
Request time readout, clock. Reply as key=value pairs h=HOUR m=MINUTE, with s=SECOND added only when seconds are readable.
h=4 m=22 s=9
